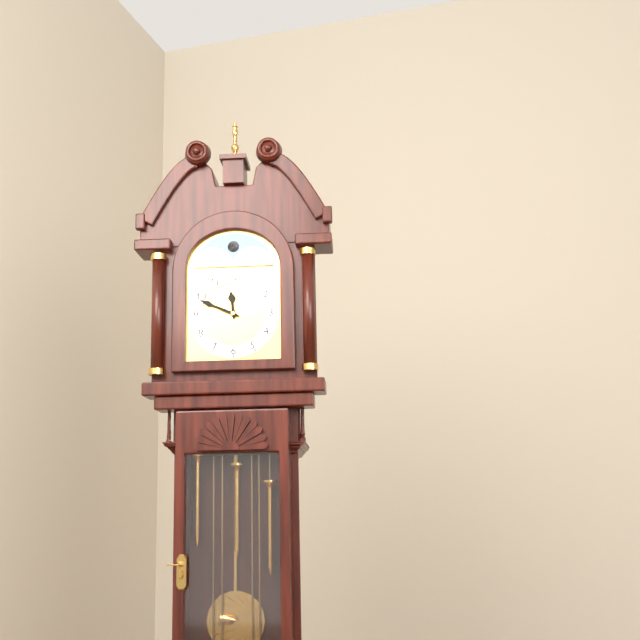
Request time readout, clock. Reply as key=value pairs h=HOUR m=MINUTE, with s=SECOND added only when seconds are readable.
h=11 m=49
